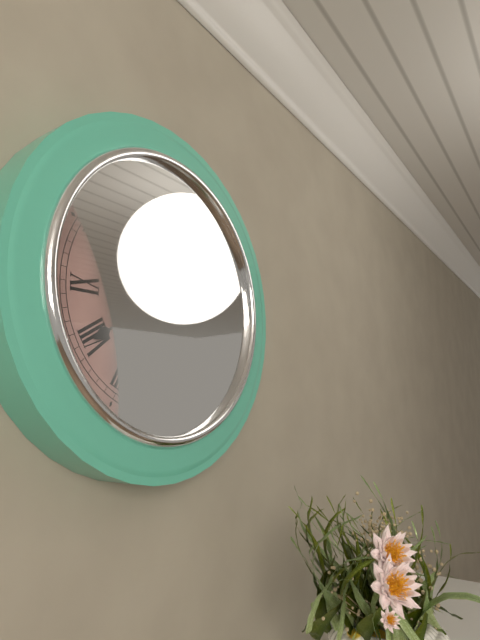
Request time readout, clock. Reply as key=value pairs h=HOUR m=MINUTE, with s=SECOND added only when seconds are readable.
h=8 m=40
